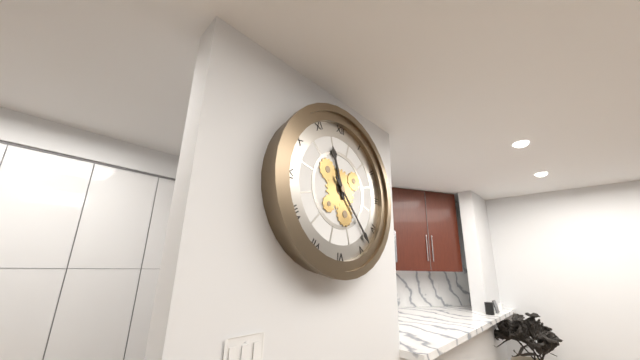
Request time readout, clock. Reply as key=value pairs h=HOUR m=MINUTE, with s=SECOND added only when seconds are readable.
h=11 m=23
